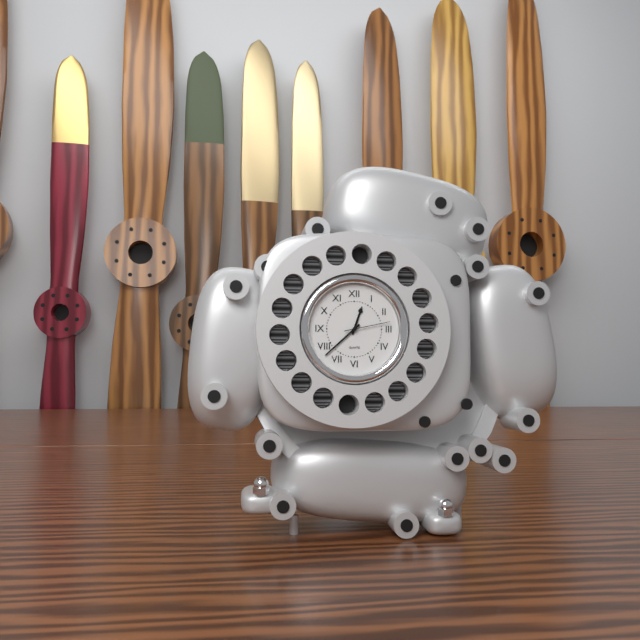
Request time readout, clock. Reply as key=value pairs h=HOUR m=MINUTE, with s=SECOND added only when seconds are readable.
h=12 m=38
